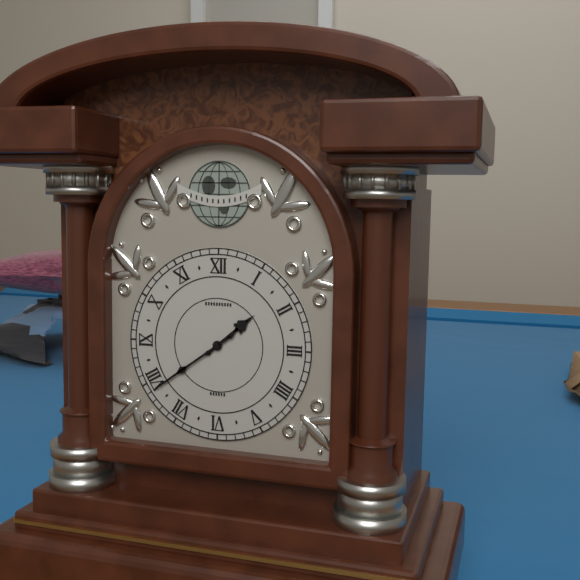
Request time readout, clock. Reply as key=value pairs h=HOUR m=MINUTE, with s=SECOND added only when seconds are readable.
h=1 m=39
